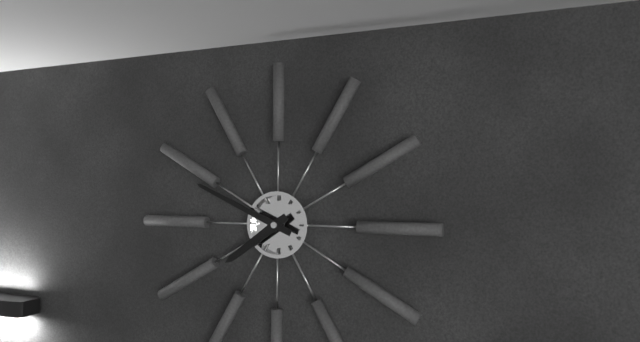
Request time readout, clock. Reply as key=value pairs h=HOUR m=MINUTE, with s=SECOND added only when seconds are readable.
h=7 m=49
